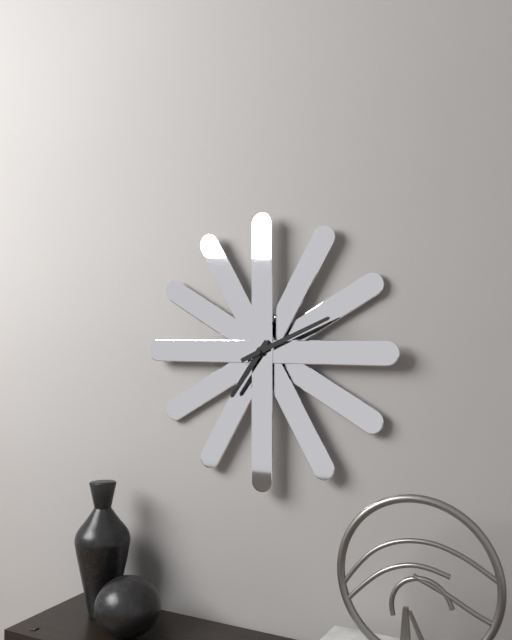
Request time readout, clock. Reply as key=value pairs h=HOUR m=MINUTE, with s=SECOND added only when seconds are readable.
h=7 m=11
